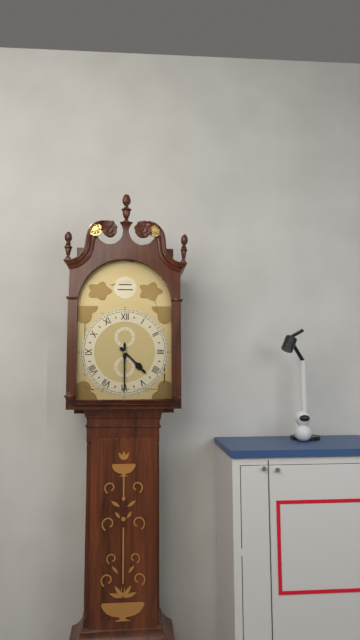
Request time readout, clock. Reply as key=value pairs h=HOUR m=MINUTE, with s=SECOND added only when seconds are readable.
h=4 m=30
